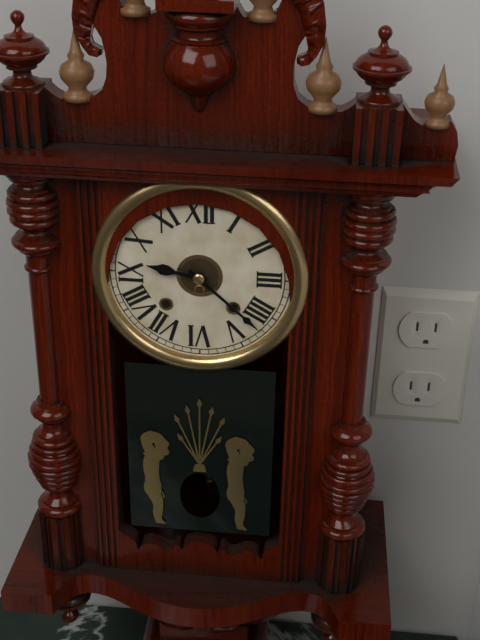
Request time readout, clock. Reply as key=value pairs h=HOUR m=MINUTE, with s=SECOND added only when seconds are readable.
h=9 m=22
